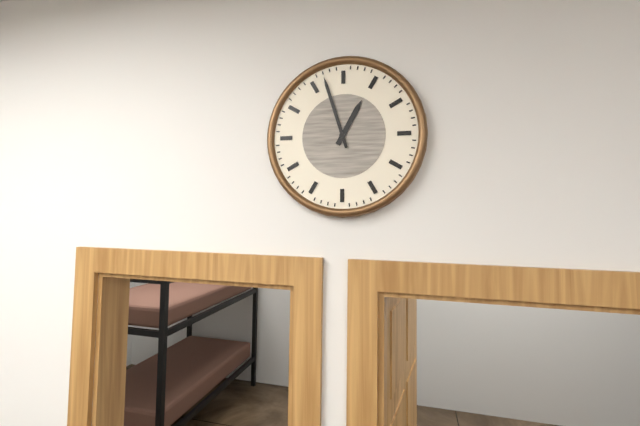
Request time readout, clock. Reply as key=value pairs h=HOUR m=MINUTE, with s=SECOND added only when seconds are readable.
h=12 m=57
